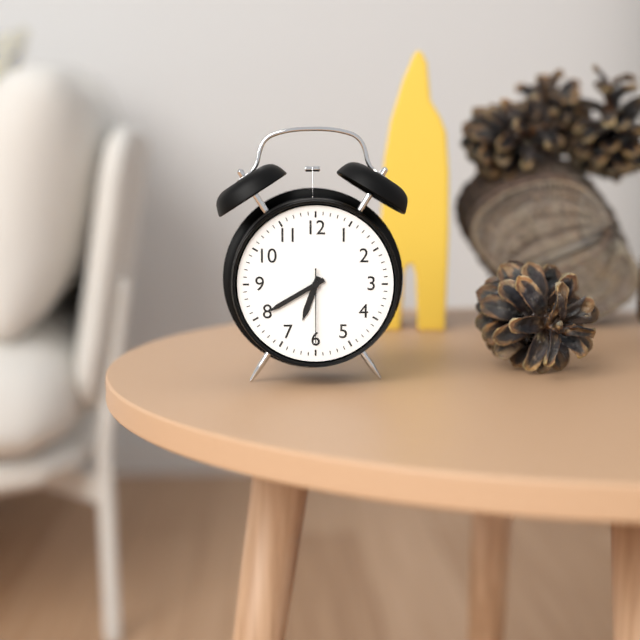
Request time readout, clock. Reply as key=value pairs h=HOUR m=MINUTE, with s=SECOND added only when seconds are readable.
h=6 m=40 s=30
